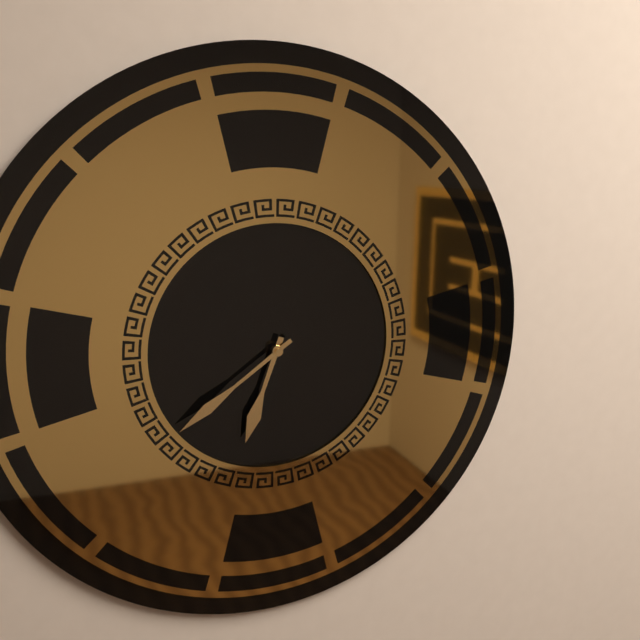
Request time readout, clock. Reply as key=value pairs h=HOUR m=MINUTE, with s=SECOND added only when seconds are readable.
h=6 m=39
